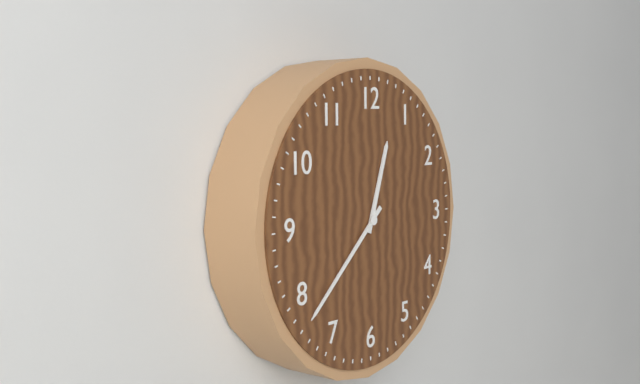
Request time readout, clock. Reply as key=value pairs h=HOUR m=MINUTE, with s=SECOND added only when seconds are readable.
h=12 m=38
